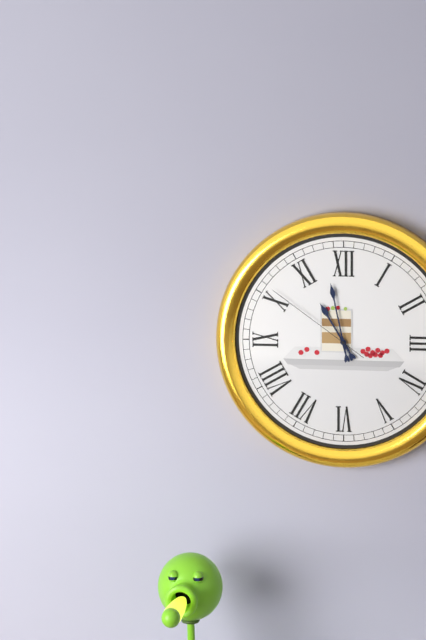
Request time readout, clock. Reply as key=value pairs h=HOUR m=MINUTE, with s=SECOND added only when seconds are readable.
h=10 m=58 s=51
